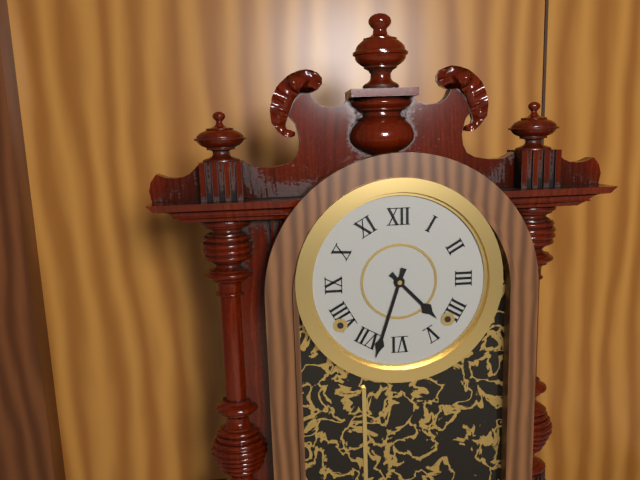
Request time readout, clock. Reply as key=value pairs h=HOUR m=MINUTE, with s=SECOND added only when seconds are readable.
h=4 m=33
